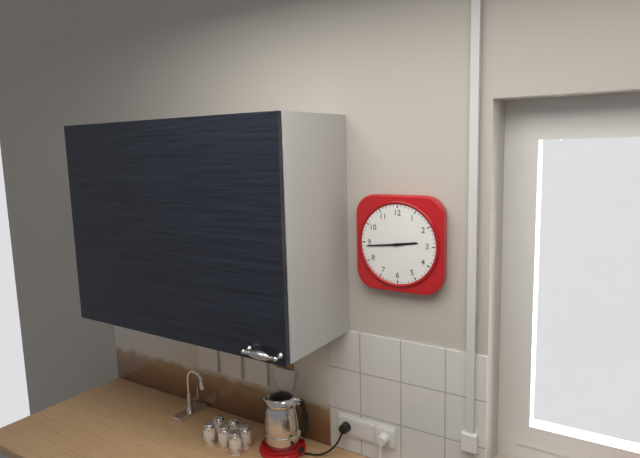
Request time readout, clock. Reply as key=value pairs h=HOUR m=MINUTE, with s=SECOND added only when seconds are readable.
h=2 m=44
